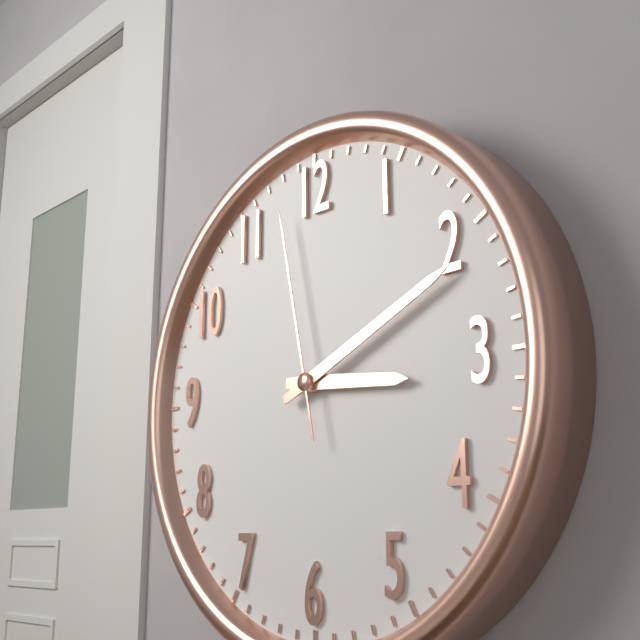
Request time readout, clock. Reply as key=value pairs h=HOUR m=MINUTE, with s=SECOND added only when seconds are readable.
h=3 m=11 s=58
